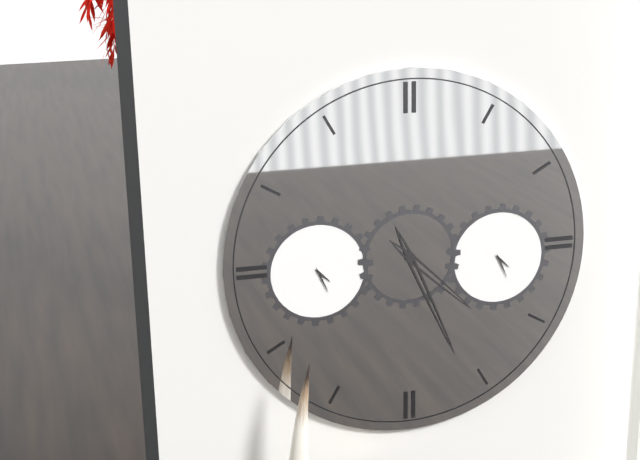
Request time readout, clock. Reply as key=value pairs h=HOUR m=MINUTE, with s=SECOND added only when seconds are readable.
h=4 m=26
